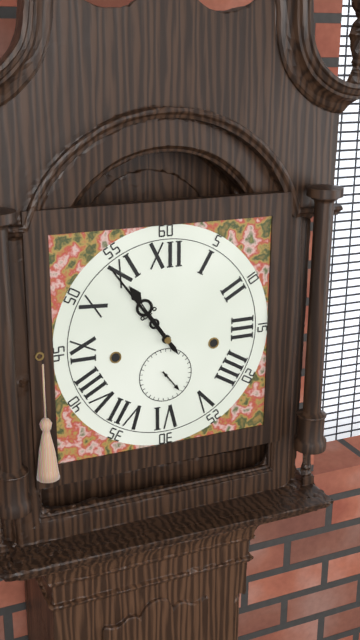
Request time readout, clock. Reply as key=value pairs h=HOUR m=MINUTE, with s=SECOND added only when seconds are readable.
h=10 m=54
